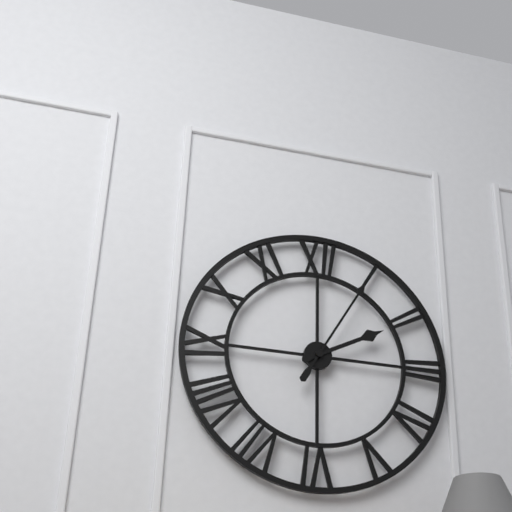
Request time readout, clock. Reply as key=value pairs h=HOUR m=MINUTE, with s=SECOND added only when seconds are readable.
h=2 m=5
